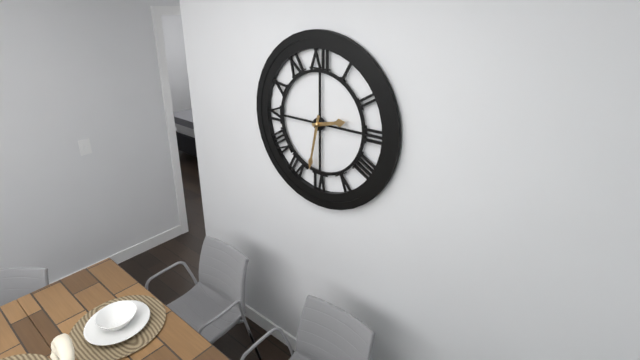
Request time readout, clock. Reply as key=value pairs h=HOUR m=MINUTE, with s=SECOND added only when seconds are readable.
h=2 m=32
